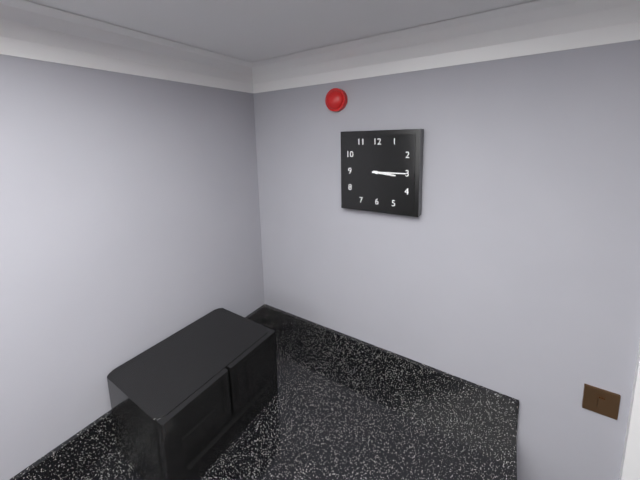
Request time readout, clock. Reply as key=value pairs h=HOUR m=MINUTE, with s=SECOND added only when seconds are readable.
h=3 m=15
